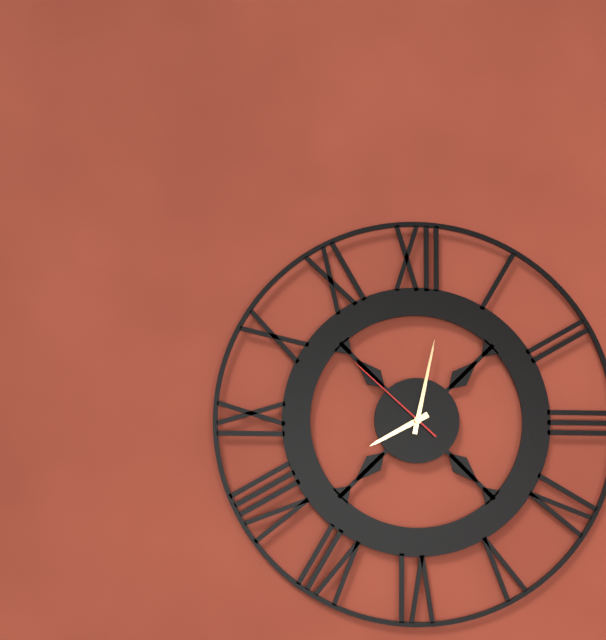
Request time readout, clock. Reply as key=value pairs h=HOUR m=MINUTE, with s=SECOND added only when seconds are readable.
h=8 m=2 s=52
